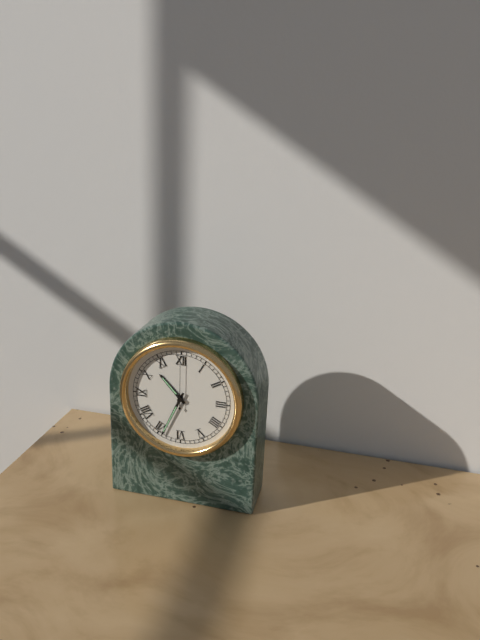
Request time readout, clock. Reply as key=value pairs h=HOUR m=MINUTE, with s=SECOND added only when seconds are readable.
h=10 m=34 s=0
